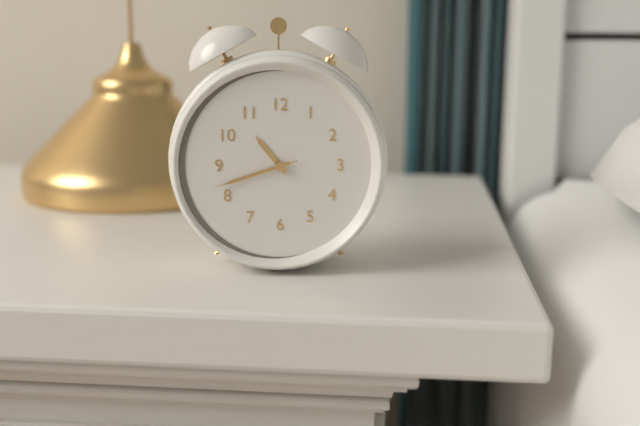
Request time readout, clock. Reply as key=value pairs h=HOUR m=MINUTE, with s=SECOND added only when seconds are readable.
h=10 m=42 s=42
